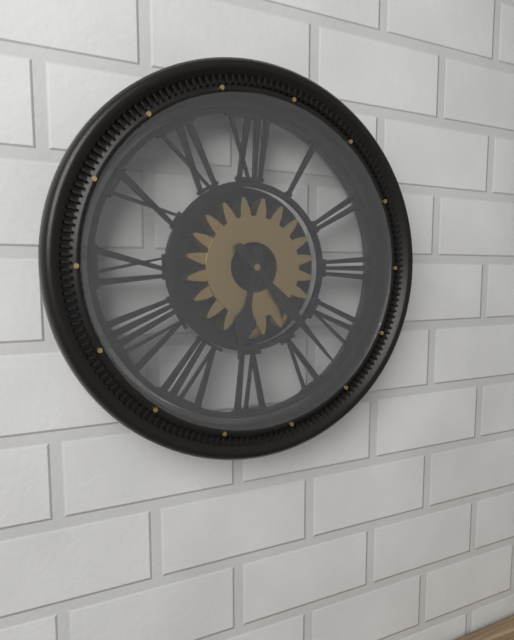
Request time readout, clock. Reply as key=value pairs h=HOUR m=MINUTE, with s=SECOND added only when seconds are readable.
h=6 m=23
